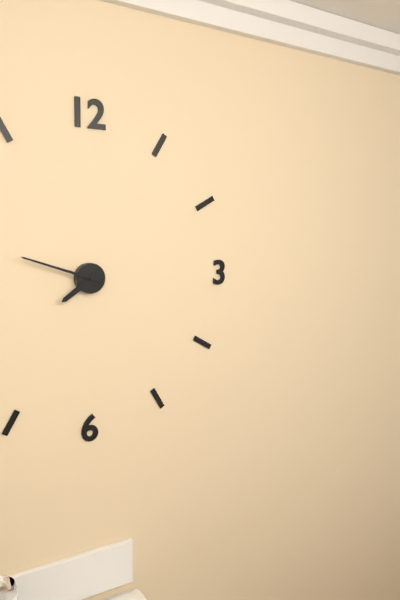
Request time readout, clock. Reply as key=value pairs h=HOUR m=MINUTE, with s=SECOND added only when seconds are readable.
h=7 m=48
